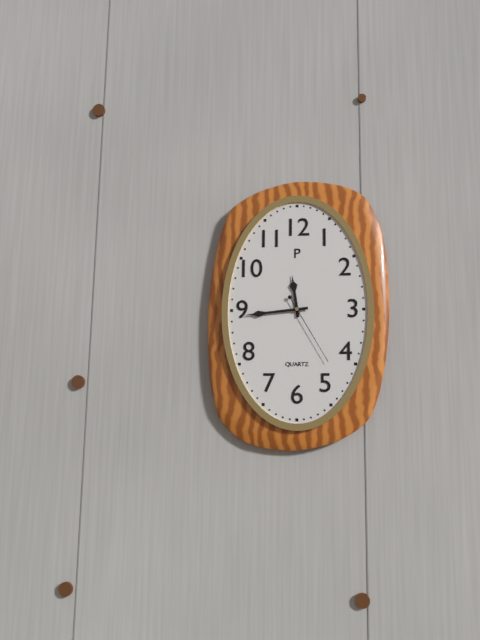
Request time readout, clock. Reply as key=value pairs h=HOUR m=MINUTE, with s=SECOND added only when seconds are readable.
h=11 m=44 s=25
